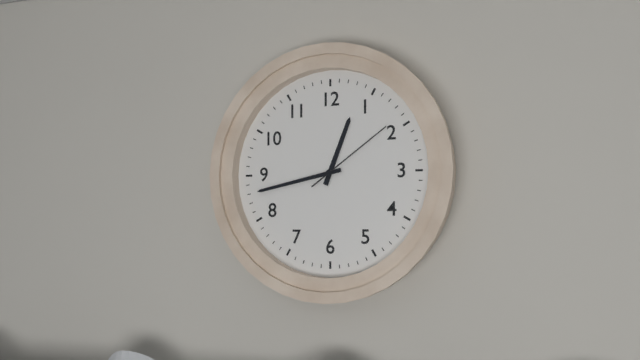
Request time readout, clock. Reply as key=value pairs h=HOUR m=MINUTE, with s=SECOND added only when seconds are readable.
h=12 m=43 s=9
